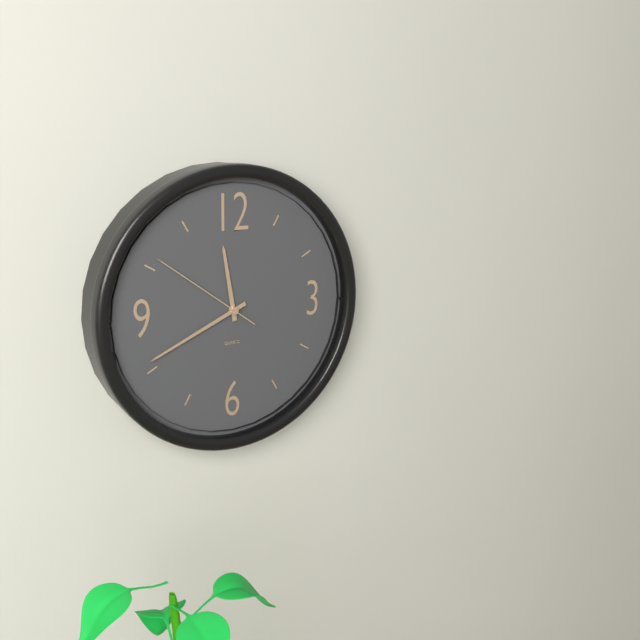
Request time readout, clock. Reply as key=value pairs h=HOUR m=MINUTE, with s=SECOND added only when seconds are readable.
h=11 m=41 s=51
